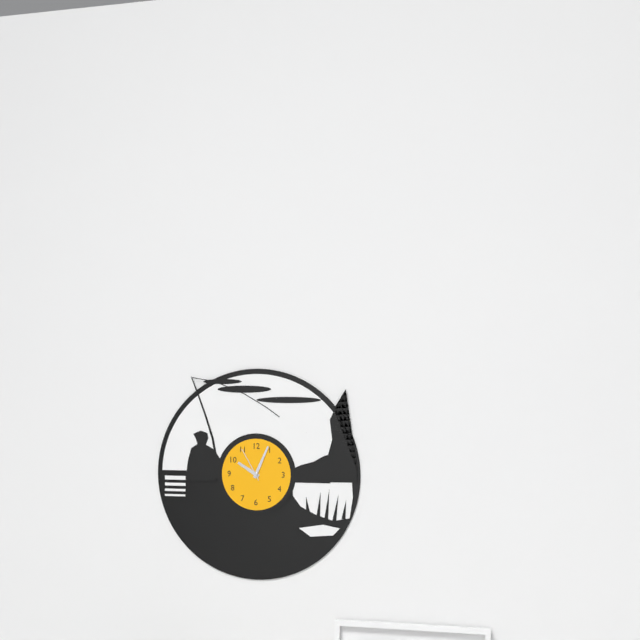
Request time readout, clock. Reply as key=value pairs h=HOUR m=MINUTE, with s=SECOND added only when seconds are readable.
h=10 m=4
